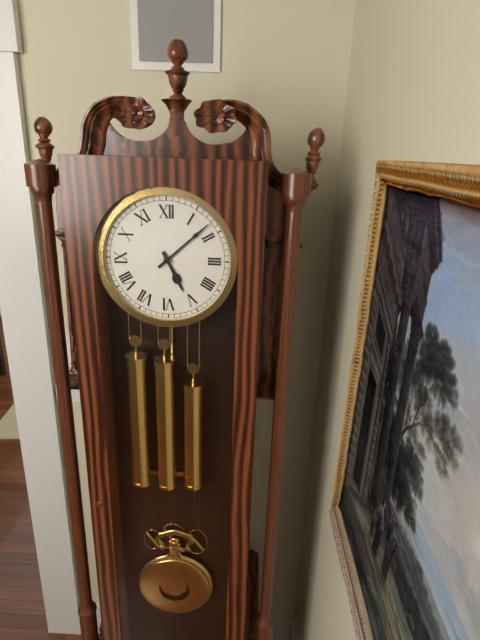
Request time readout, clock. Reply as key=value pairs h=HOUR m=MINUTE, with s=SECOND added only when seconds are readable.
h=5 m=8
